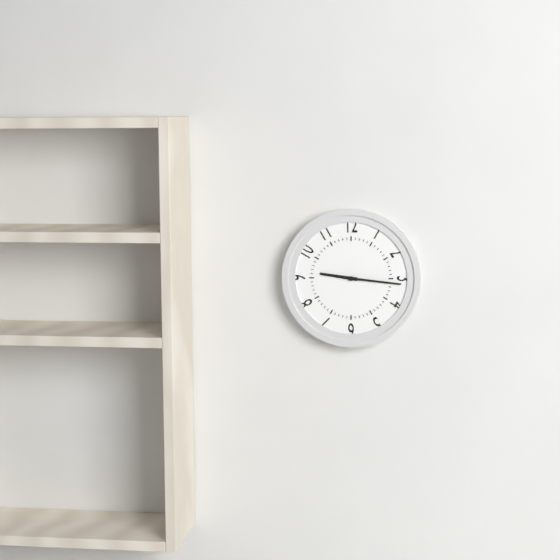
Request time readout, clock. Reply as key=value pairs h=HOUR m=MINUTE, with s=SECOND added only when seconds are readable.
h=9 m=16
